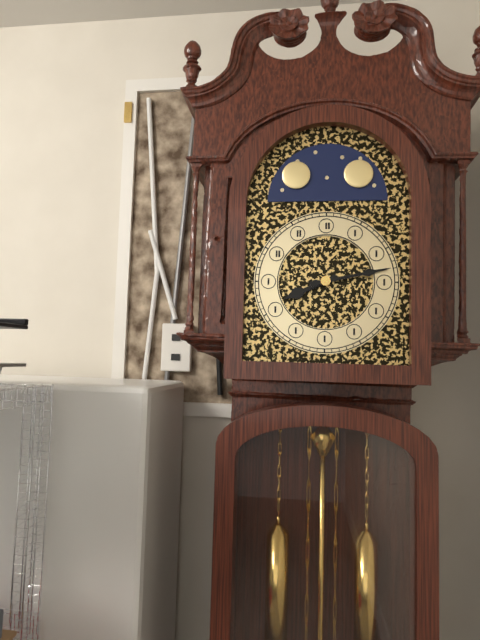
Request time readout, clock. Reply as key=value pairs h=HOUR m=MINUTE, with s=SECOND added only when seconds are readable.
h=8 m=13
